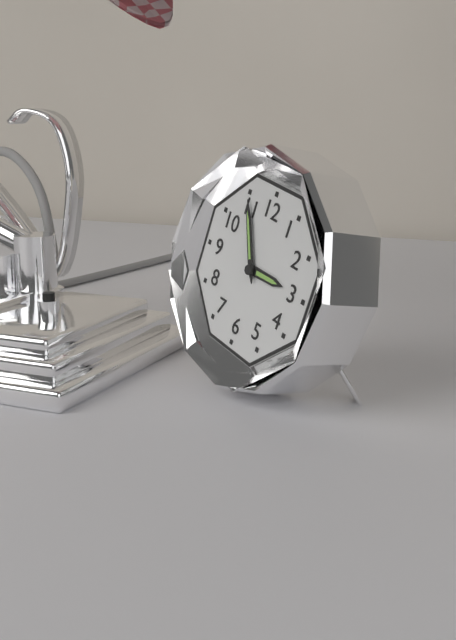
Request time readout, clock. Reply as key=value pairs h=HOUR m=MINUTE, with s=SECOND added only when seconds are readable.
h=2 m=55
